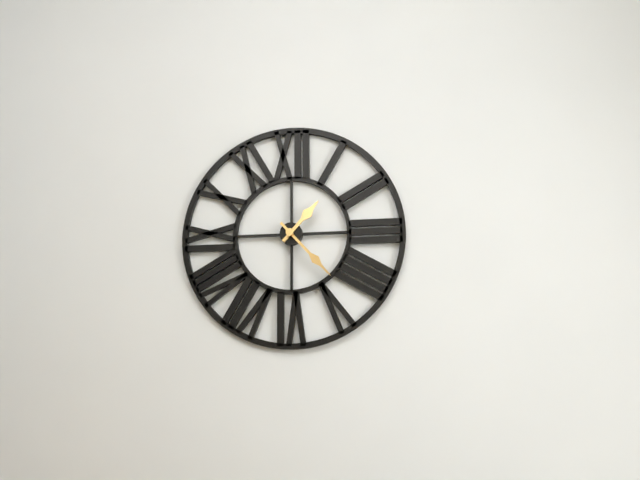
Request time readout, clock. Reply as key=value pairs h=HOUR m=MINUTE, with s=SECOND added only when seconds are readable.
h=1 m=23
